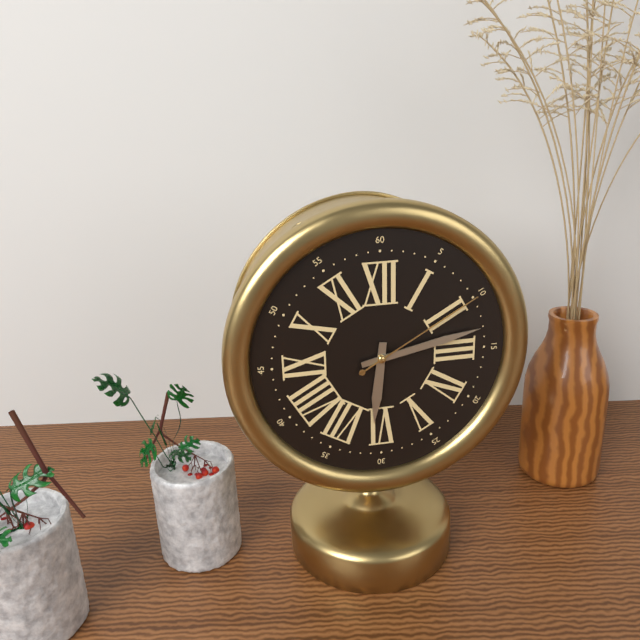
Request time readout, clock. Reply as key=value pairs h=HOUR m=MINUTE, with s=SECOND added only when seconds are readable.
h=6 m=13 s=10
